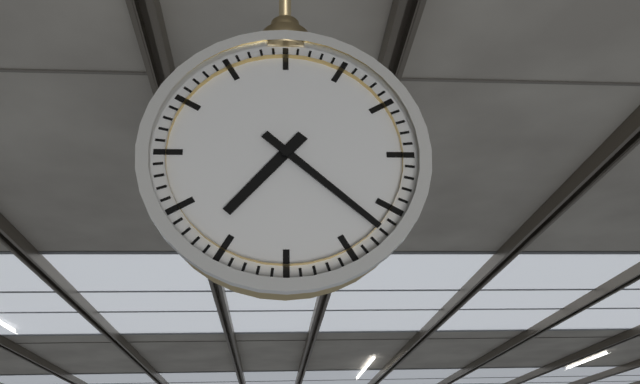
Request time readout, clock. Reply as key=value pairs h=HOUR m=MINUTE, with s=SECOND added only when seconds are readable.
h=7 m=22
